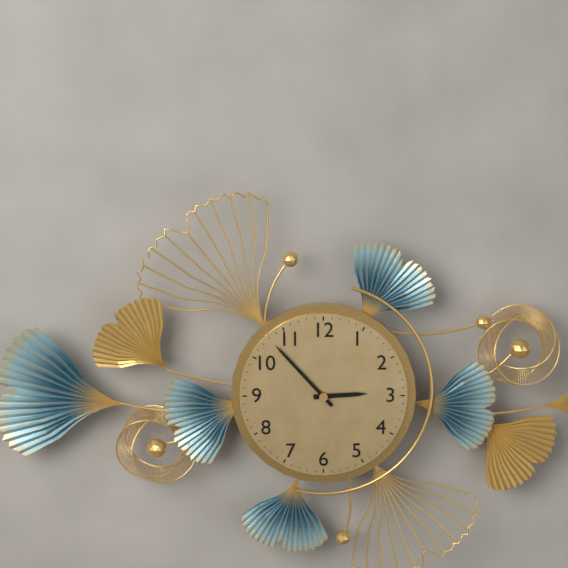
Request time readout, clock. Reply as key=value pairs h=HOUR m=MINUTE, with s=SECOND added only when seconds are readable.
h=2 m=53
